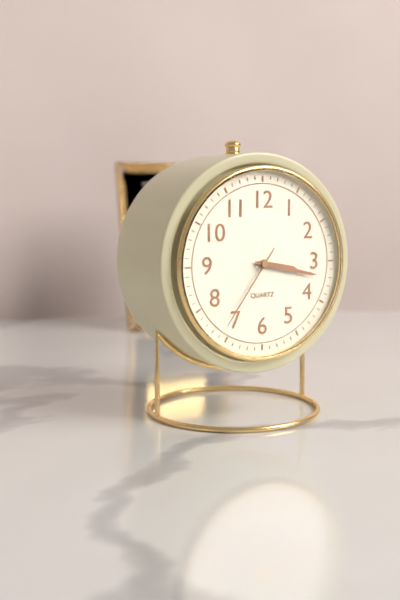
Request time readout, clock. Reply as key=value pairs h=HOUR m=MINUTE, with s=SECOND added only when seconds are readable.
h=3 m=17 s=36
